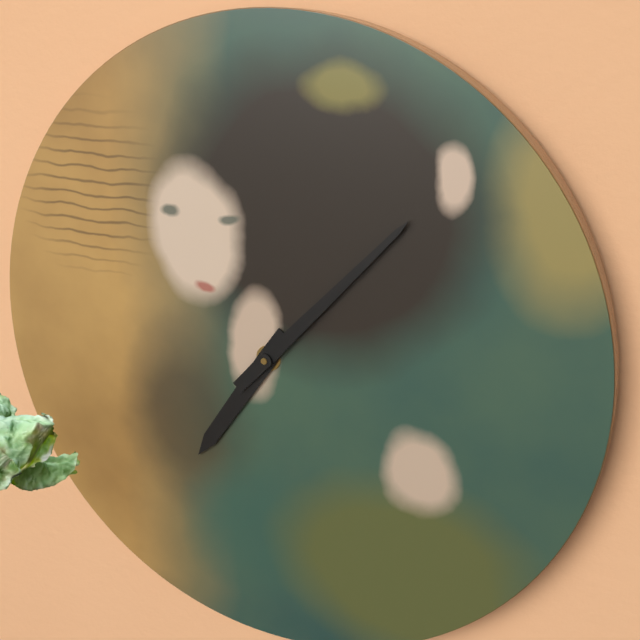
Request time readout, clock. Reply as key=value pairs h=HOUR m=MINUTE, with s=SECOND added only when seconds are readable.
h=7 m=7
